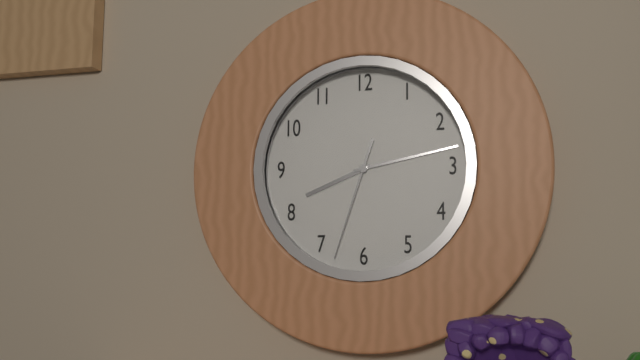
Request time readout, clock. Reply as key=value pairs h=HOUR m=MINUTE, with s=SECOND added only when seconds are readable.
h=8 m=13 s=33
